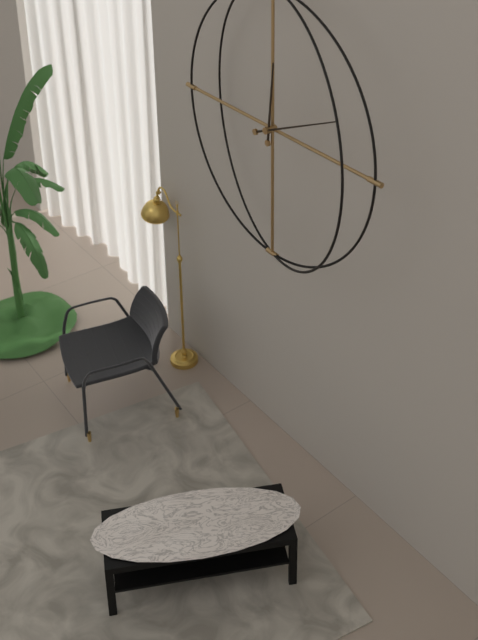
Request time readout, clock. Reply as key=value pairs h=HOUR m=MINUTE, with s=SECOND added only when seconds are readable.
h=12 m=11
